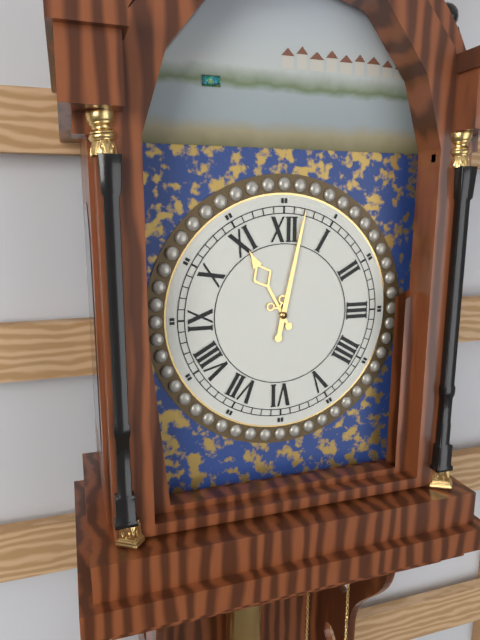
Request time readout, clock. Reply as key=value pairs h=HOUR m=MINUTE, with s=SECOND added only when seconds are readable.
h=11 m=2
